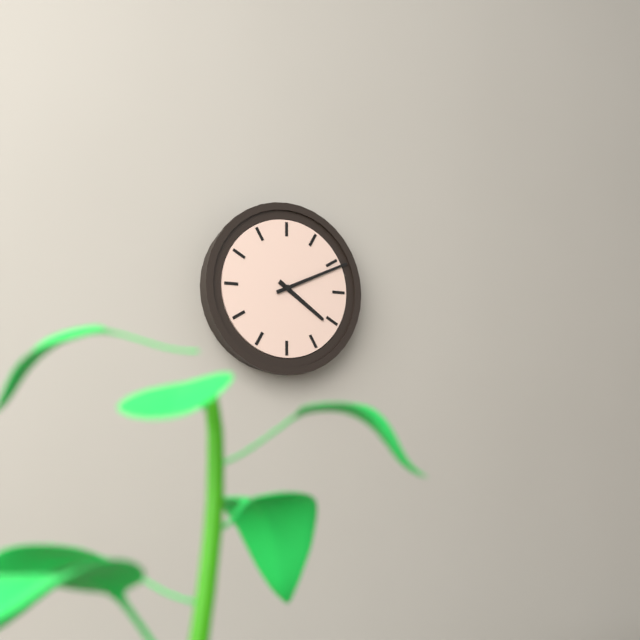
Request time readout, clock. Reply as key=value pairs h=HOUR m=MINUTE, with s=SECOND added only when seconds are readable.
h=4 m=11
